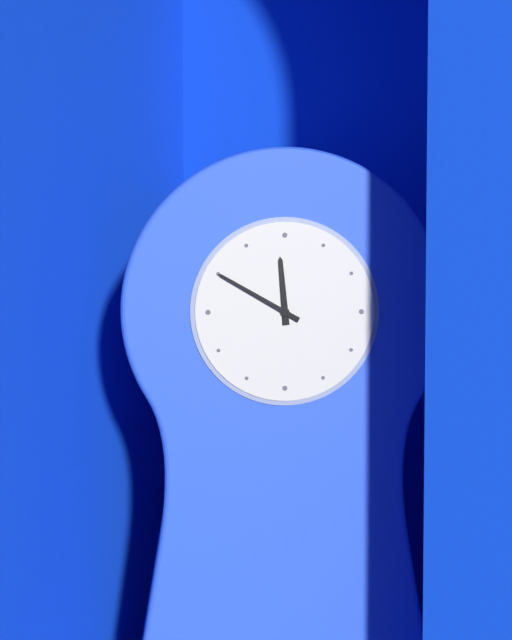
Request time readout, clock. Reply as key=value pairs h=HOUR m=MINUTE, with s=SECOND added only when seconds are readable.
h=11 m=50
